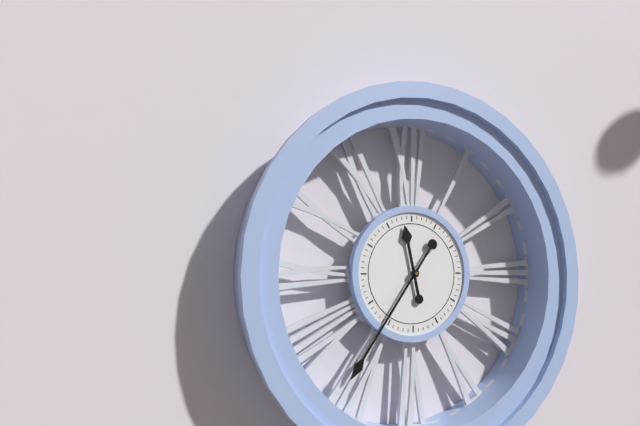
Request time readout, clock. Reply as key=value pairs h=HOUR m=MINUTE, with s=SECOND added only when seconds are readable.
h=11 m=36
